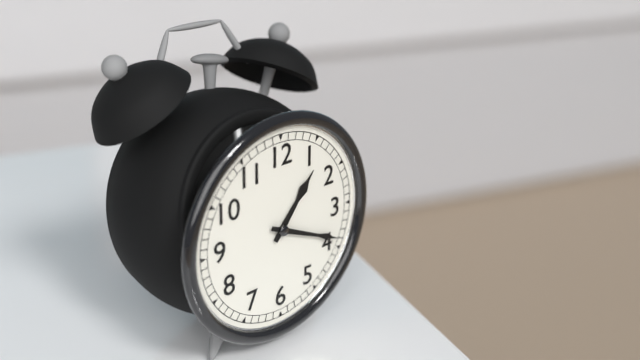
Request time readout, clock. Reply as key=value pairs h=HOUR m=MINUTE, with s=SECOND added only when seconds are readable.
h=1 m=19
